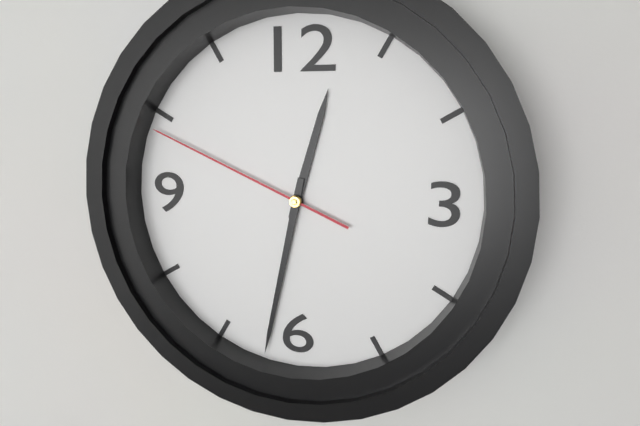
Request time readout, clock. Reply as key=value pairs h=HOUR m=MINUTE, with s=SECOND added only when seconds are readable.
h=12 m=32 s=49
